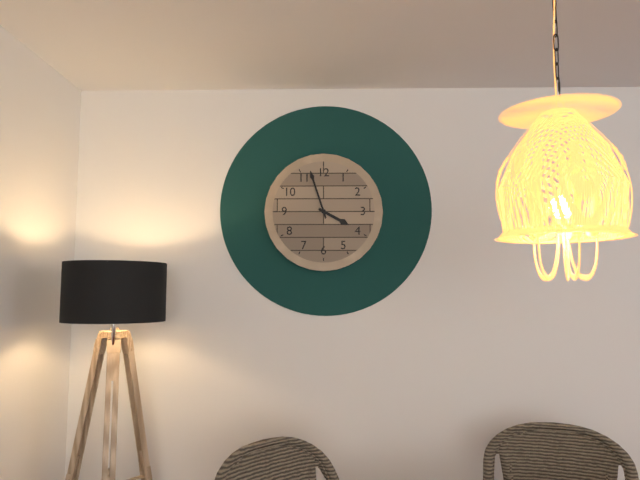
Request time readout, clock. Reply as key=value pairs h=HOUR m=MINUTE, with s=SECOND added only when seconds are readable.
h=3 m=57
